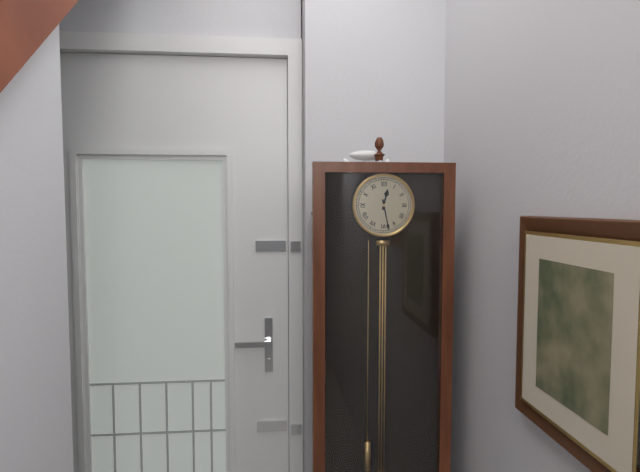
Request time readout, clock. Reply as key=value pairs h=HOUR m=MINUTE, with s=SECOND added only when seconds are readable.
h=12 m=28
